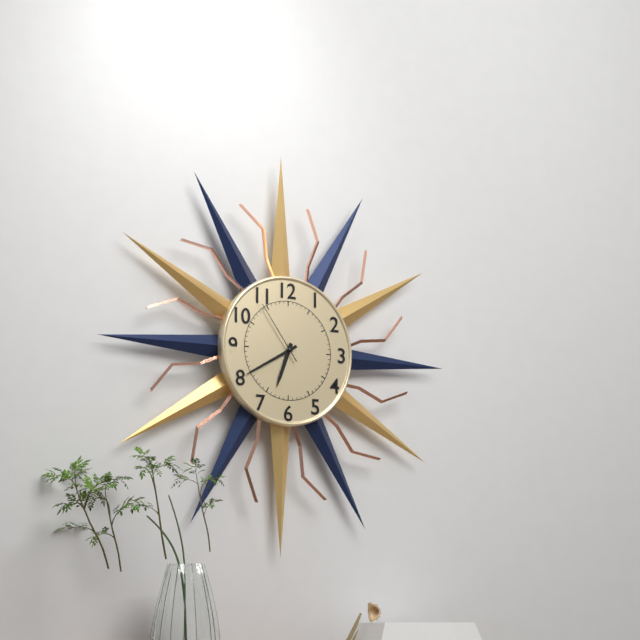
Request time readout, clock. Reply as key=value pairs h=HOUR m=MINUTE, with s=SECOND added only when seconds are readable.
h=6 m=40 s=54
